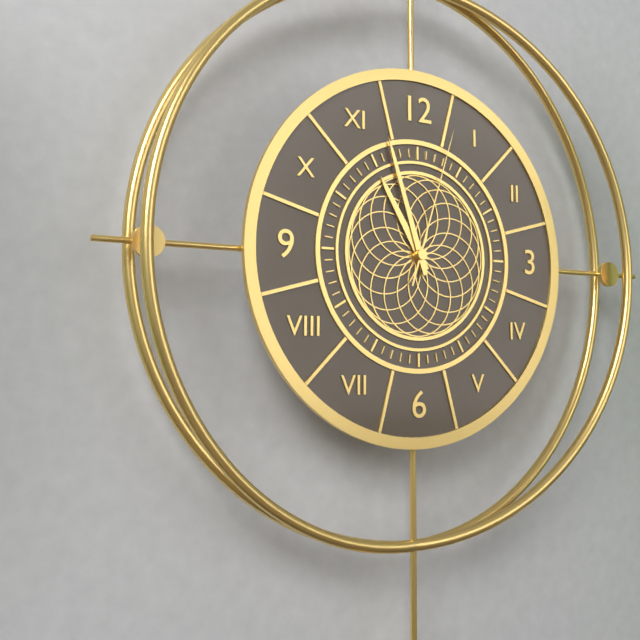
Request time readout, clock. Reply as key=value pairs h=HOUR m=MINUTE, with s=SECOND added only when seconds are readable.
h=10 m=57 s=3
